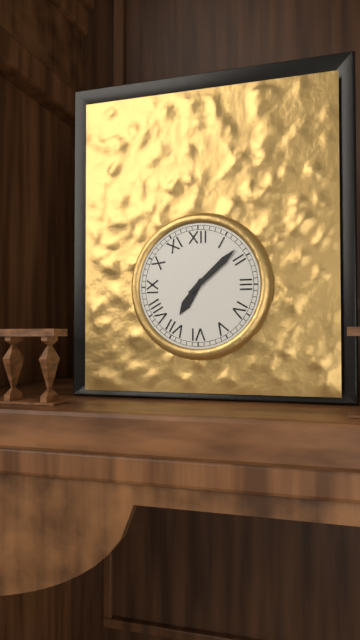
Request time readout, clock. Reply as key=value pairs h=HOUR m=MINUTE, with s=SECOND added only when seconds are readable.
h=7 m=8
